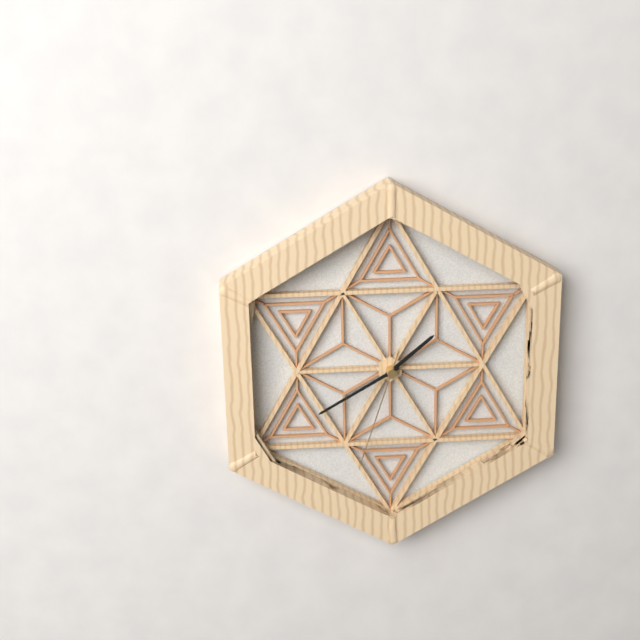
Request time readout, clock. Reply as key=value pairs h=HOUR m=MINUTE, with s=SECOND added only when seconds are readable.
h=1 m=40 s=33
